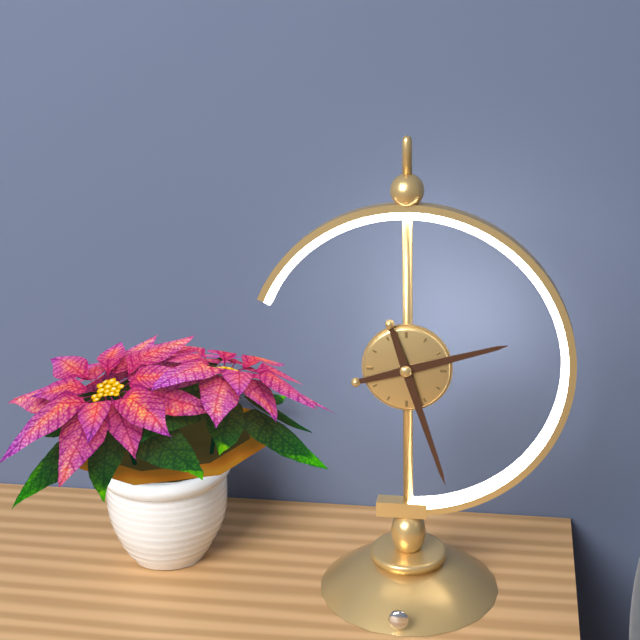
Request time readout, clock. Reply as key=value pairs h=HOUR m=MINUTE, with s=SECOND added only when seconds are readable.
h=2 m=27
